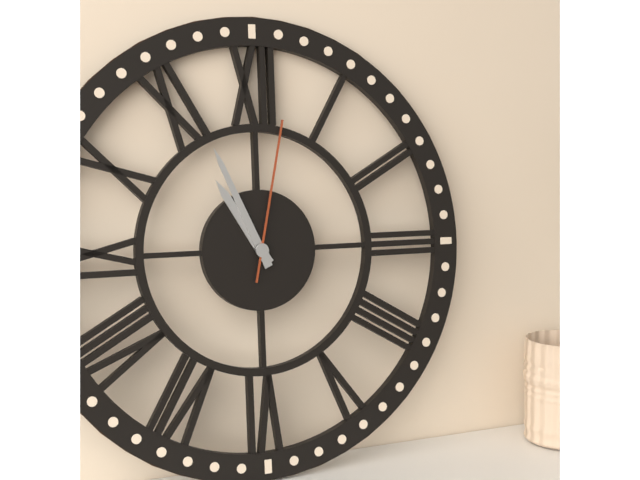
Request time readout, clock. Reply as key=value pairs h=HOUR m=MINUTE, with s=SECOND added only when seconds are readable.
h=10 m=56 s=2
